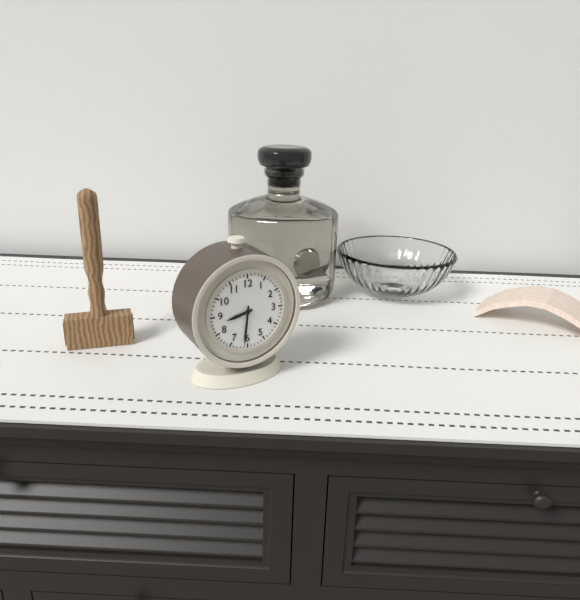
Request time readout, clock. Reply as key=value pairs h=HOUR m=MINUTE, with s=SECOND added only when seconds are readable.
h=8 m=31
